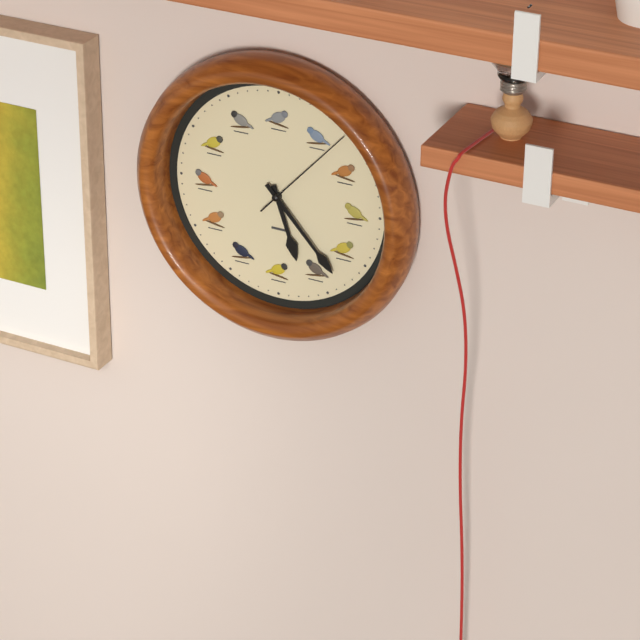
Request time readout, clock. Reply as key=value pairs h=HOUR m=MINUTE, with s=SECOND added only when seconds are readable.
h=5 m=23 s=7
